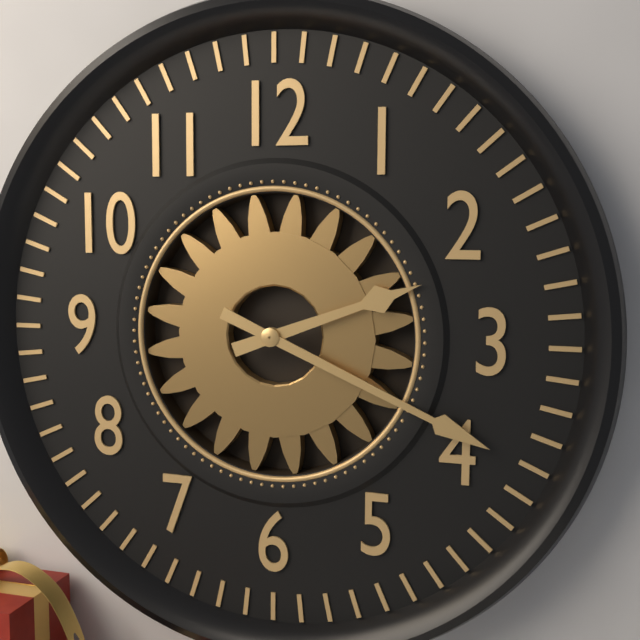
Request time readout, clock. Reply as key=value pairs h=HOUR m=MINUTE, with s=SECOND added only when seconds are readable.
h=2 m=19
